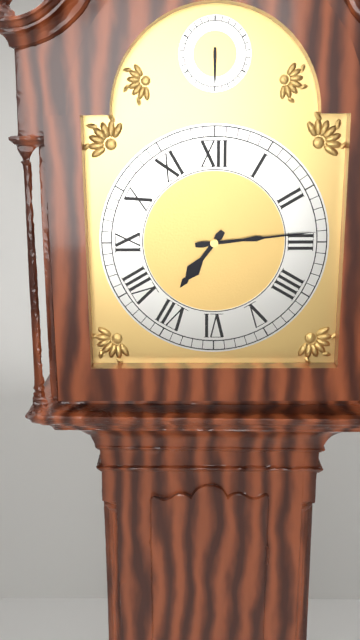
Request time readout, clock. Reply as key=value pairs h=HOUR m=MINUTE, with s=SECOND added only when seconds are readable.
h=7 m=14
